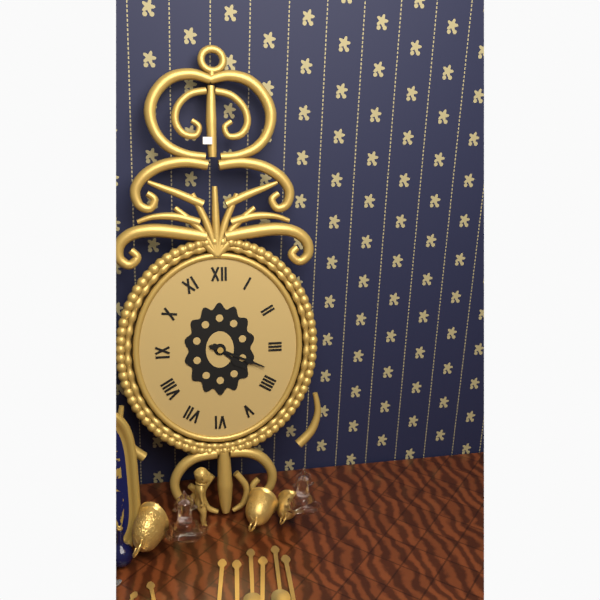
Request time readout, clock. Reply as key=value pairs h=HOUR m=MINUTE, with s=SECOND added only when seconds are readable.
h=4 m=19
